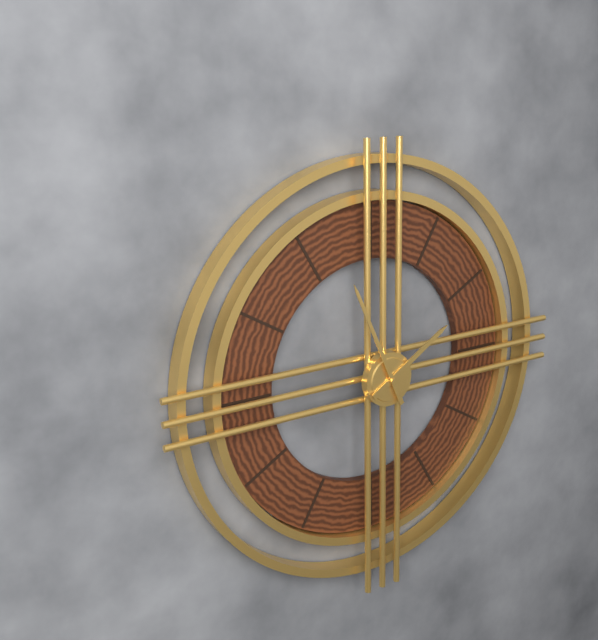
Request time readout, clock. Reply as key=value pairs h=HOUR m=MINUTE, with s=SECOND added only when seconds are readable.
h=1 m=56
